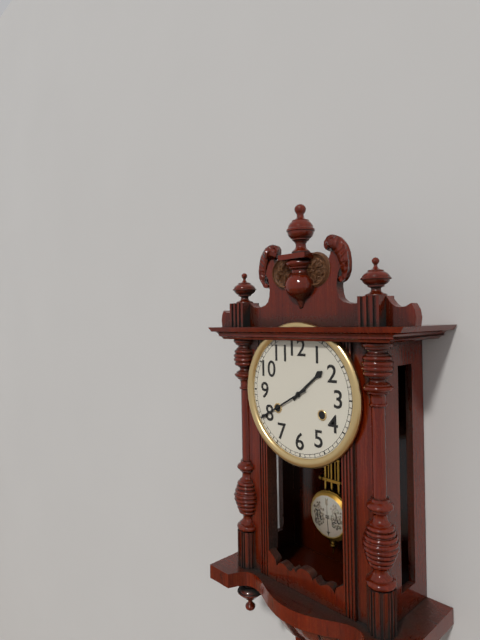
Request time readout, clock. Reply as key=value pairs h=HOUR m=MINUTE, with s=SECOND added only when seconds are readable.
h=1 m=40
